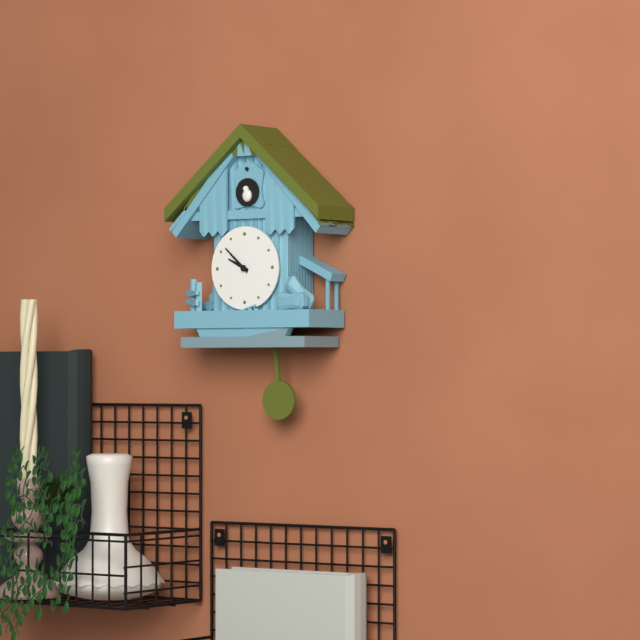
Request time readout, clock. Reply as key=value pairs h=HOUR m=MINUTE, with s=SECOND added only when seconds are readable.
h=9 m=52
